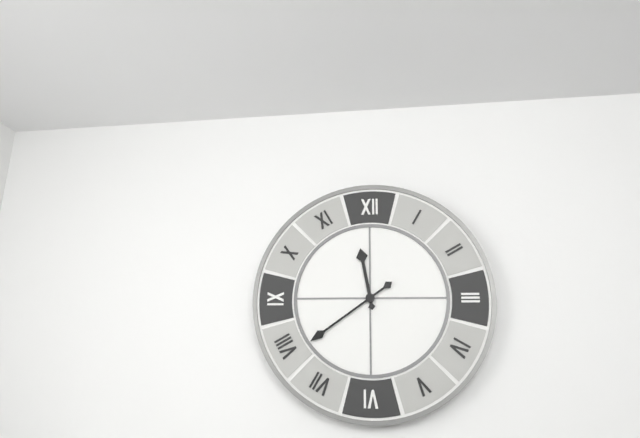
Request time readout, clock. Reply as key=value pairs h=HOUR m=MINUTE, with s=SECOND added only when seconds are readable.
h=11 m=39
